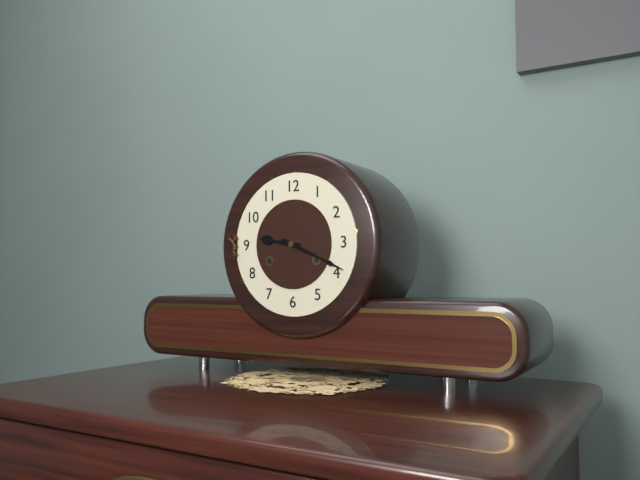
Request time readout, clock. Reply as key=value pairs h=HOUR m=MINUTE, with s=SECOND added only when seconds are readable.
h=9 m=19
